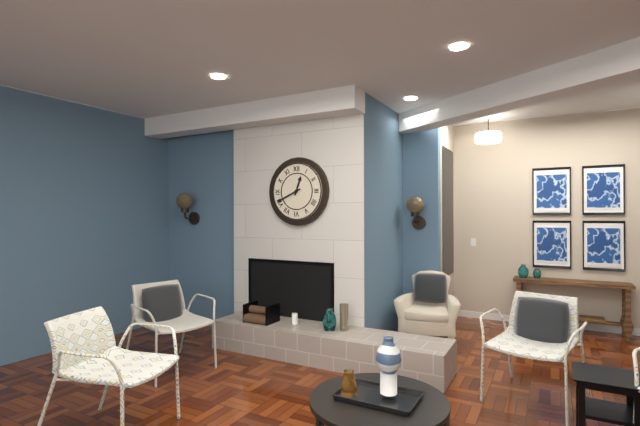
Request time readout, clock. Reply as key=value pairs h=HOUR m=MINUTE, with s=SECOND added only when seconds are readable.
h=12 m=41
